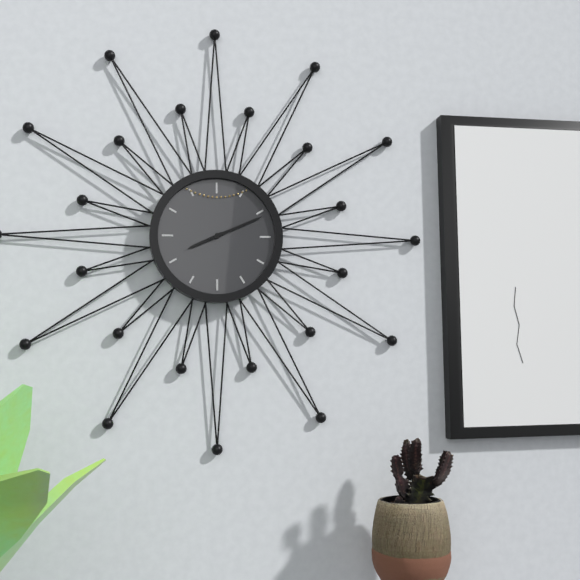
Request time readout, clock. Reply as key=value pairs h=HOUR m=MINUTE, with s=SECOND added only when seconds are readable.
h=8 m=11
